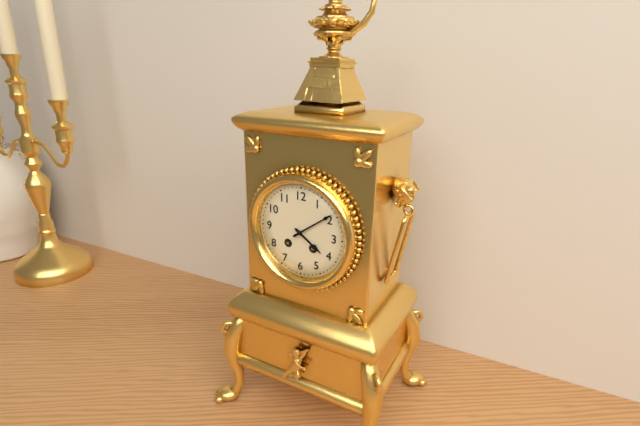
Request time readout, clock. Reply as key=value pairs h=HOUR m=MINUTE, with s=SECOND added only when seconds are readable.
h=4 m=9
